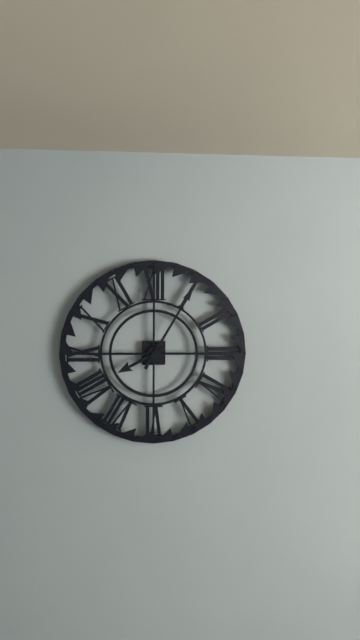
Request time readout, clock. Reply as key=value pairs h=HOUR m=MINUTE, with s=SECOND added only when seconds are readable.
h=8 m=5
